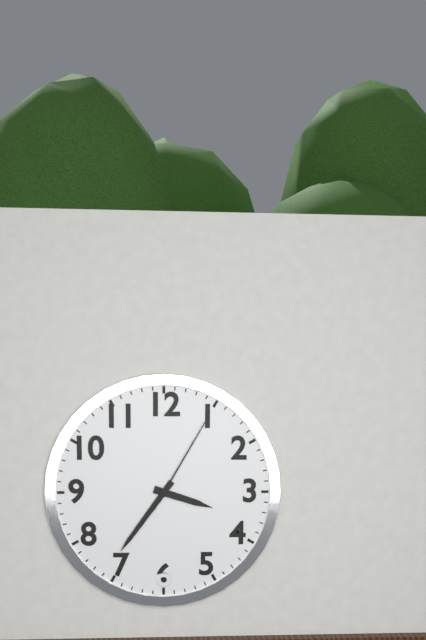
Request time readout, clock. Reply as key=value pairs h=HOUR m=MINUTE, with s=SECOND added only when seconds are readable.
h=3 m=36 s=5
